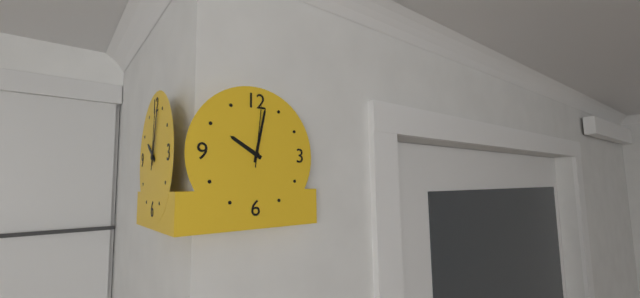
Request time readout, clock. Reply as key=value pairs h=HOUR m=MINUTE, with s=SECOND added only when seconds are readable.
h=10 m=2 s=1
